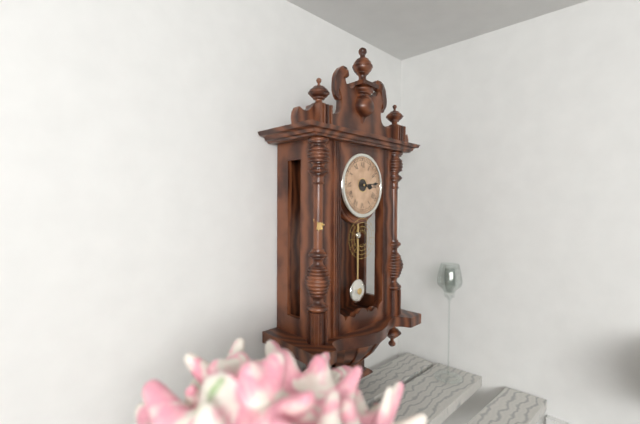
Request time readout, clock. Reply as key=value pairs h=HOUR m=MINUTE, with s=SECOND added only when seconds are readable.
h=3 m=14
